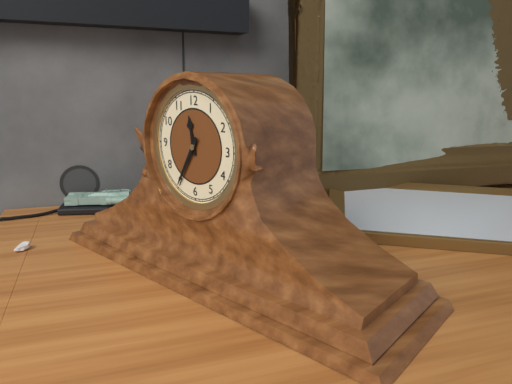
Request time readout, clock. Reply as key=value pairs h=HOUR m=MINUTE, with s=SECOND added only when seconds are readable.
h=11 m=35
